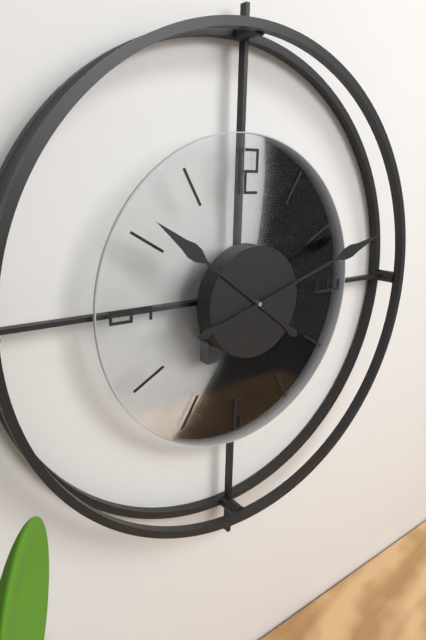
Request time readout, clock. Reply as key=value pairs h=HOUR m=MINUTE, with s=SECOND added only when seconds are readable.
h=10 m=12
